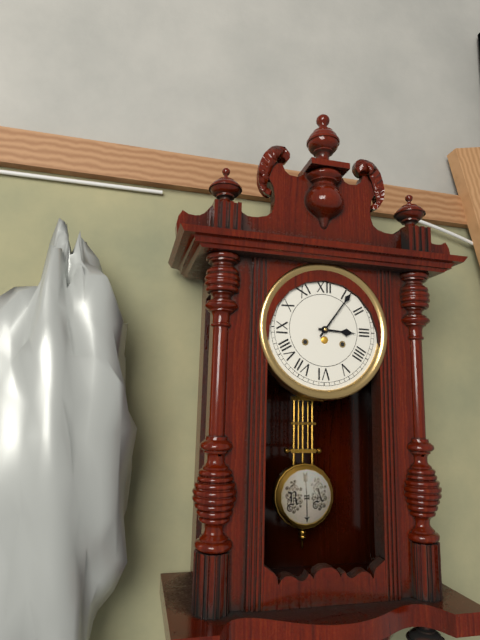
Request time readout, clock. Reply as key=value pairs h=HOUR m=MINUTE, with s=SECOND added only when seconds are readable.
h=3 m=6
